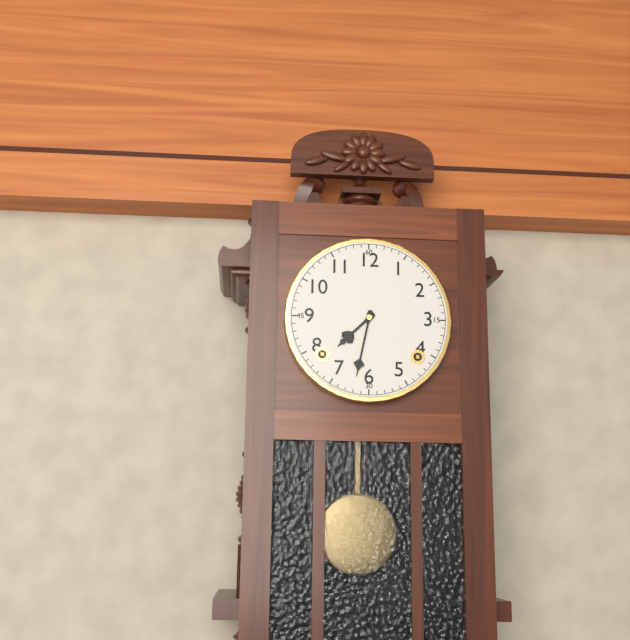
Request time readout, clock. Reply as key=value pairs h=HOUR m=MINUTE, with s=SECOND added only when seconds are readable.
h=7 m=32
